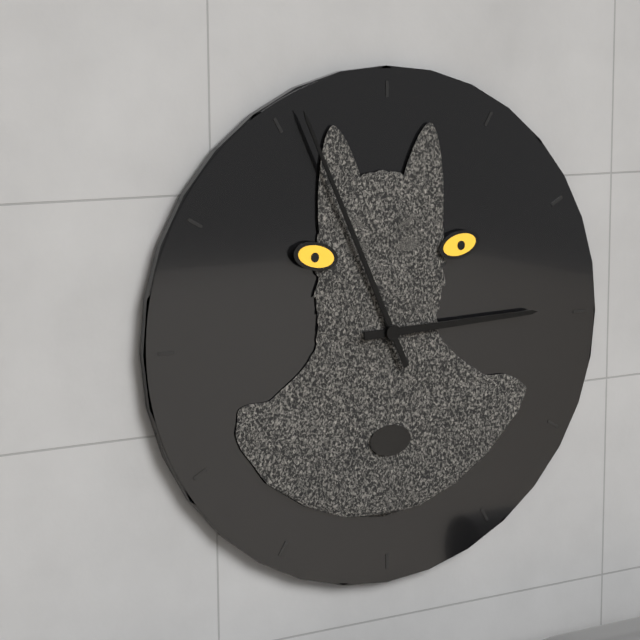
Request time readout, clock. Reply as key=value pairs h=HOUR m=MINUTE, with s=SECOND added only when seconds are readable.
h=2 m=56
